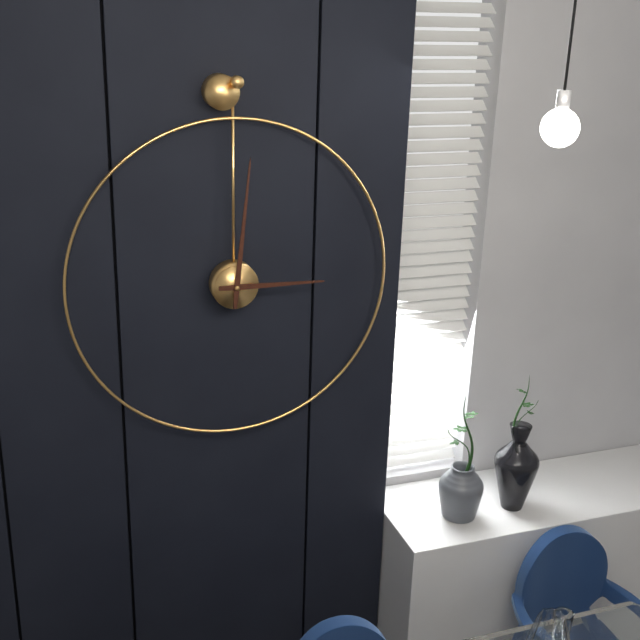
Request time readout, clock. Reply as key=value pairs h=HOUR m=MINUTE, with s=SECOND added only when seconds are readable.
h=3 m=1
